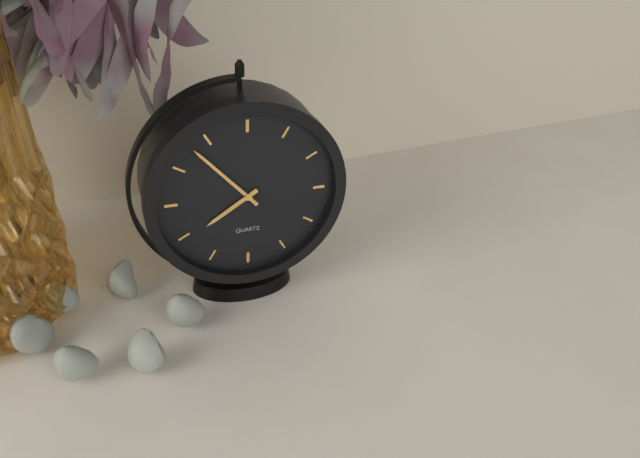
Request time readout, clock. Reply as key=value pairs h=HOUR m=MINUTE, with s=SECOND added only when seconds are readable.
h=7 m=53
